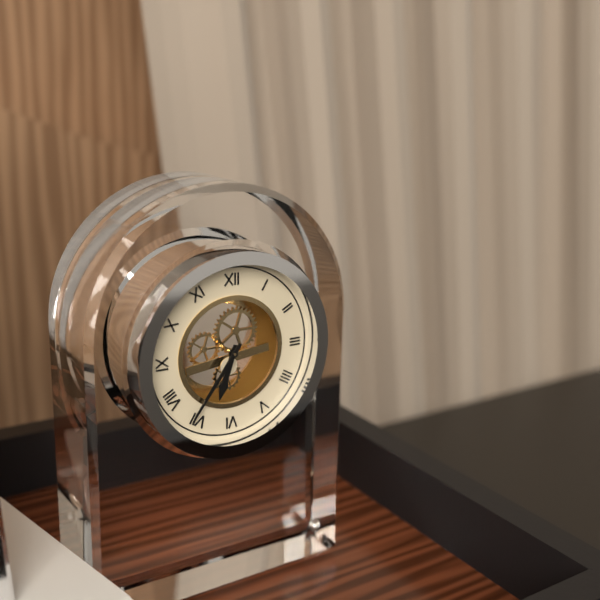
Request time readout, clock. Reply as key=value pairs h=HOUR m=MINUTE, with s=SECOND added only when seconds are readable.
h=6 m=36
